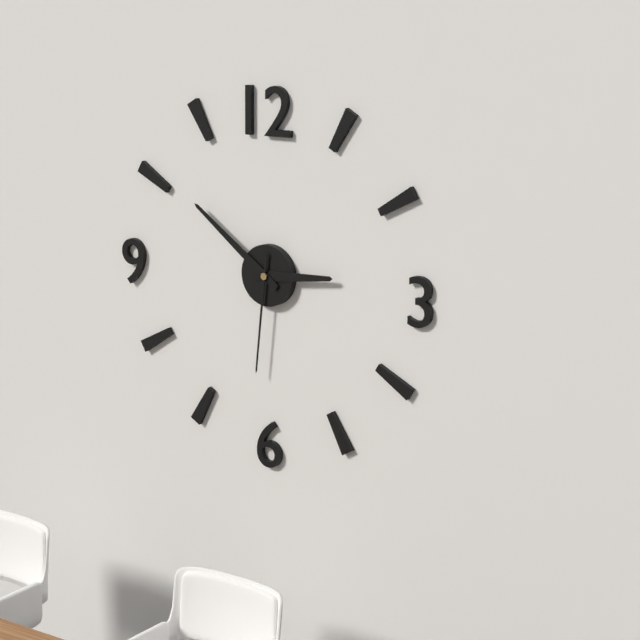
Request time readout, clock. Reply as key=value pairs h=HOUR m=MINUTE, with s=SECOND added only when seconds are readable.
h=2 m=51 s=31
